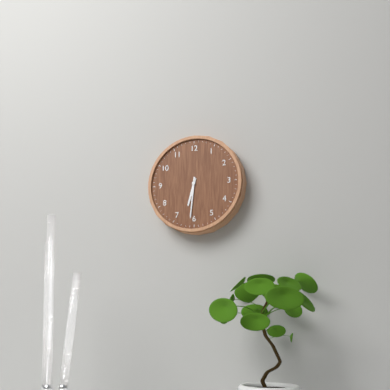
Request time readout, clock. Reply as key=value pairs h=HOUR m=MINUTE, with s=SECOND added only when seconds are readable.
h=6 m=31
